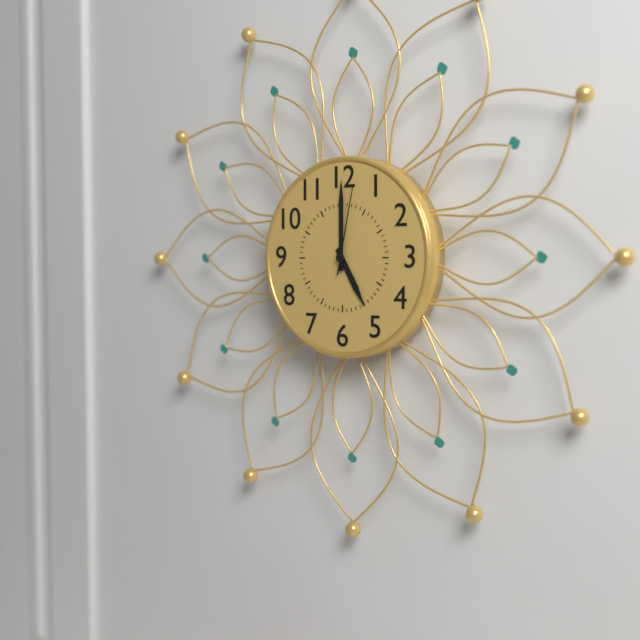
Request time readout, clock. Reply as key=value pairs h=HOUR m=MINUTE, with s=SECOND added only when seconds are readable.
h=5 m=0 s=2
